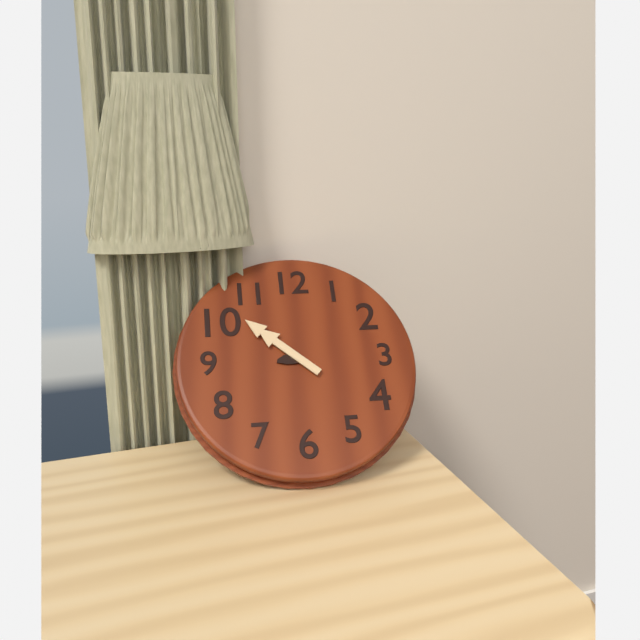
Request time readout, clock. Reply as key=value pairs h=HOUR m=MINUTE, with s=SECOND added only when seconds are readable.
h=8 m=52
